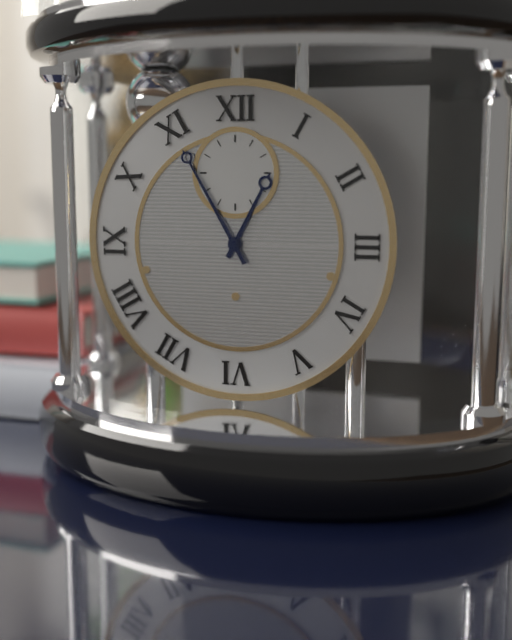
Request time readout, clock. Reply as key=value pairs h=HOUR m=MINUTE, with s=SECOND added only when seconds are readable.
h=12 m=55
